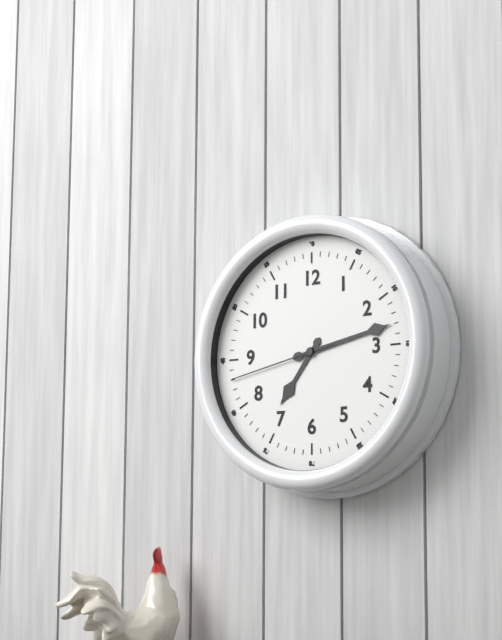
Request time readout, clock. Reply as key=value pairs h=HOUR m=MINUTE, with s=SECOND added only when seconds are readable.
h=7 m=13 s=43
